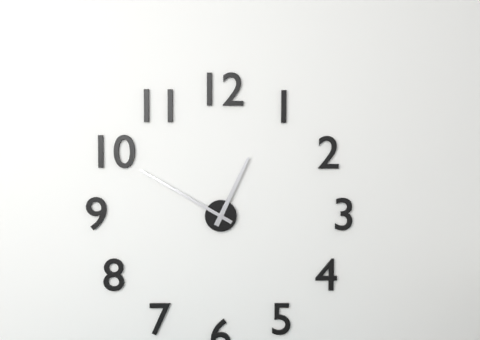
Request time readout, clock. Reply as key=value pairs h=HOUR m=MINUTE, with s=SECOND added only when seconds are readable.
h=12 m=50
